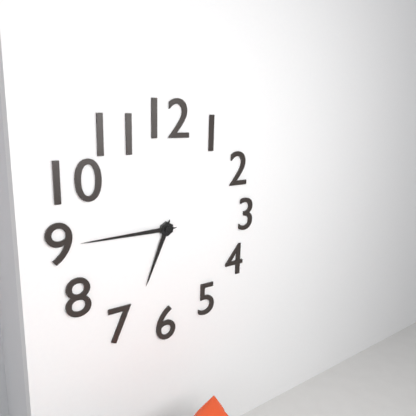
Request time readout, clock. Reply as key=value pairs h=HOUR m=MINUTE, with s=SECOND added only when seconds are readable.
h=6 m=45
